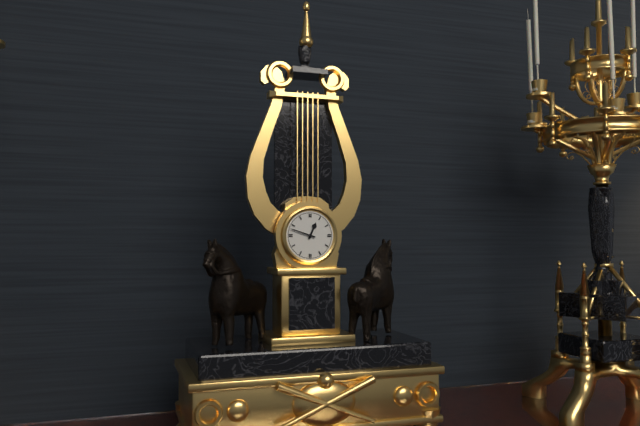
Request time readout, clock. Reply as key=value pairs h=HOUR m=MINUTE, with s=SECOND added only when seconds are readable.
h=12 m=48
